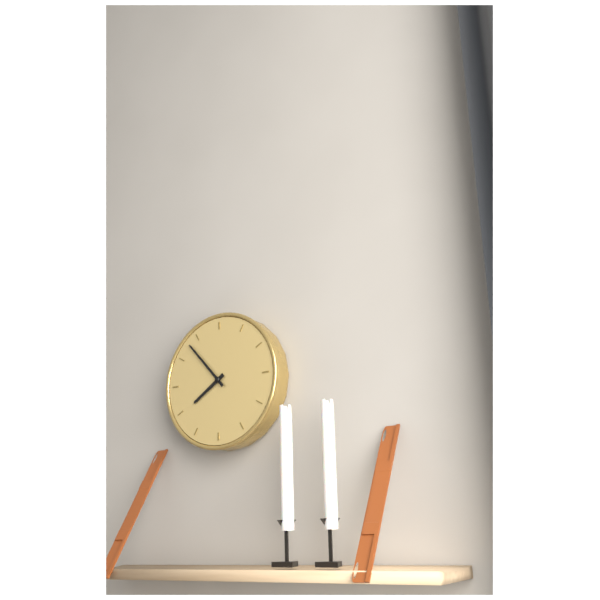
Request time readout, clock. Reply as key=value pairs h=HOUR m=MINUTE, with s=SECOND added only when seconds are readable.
h=7 m=53
